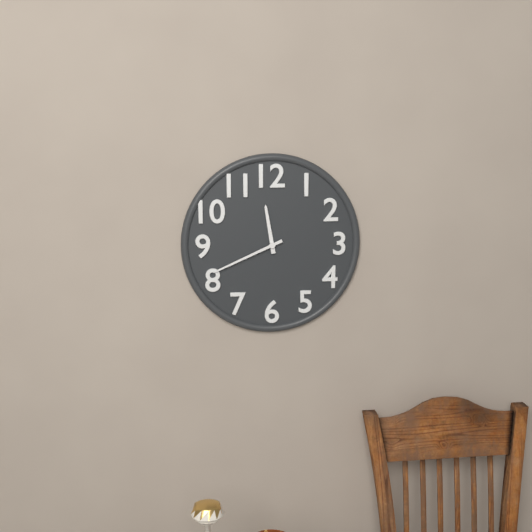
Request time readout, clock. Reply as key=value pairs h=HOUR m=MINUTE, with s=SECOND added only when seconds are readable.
h=11 m=41
